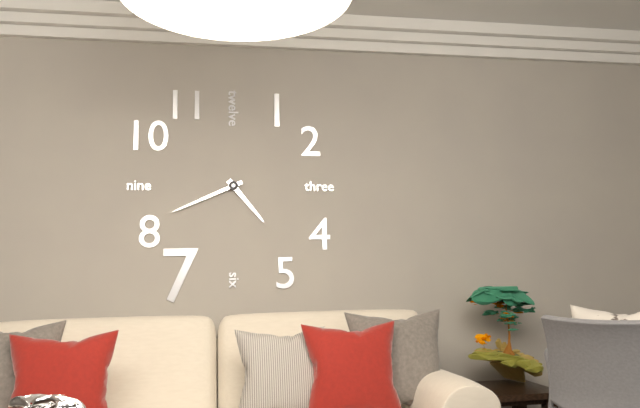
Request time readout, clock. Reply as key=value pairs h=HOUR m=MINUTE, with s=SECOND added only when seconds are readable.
h=4 m=41
